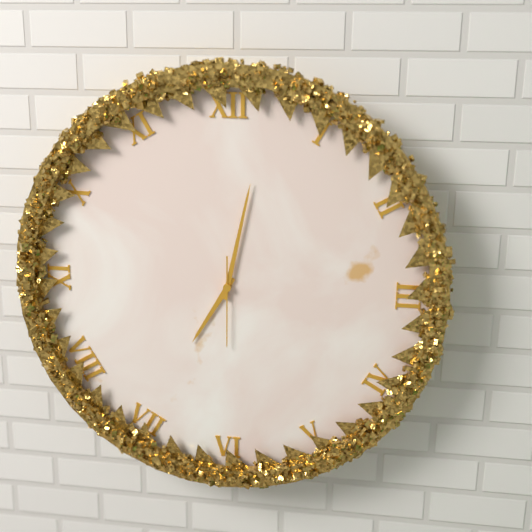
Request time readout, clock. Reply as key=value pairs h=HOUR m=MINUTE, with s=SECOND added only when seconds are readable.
h=7 m=2 s=30
